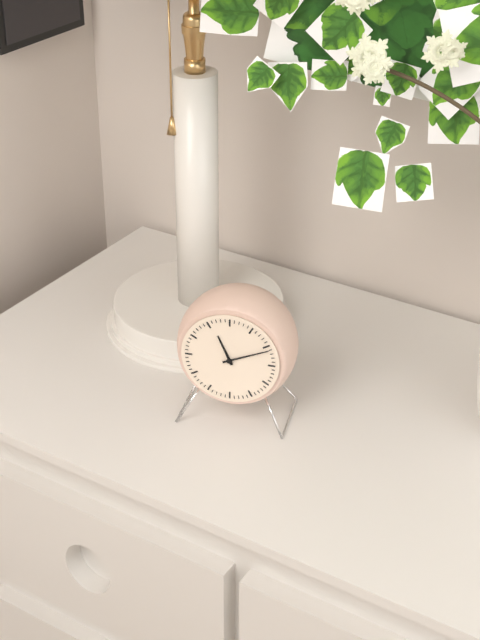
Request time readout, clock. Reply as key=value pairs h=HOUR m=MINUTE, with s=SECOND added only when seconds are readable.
h=11 m=11
